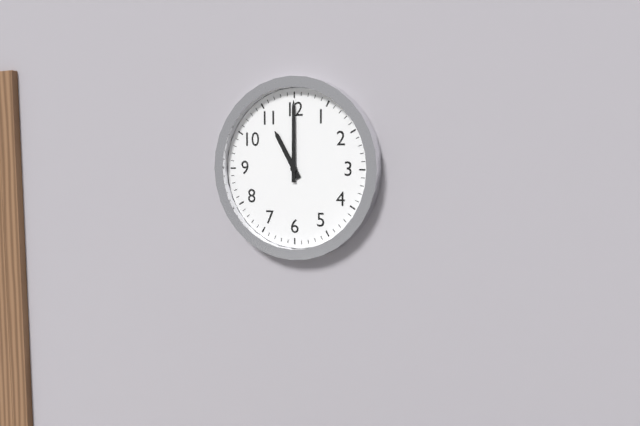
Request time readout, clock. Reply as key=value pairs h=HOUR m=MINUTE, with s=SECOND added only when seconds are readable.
h=11 m=0
